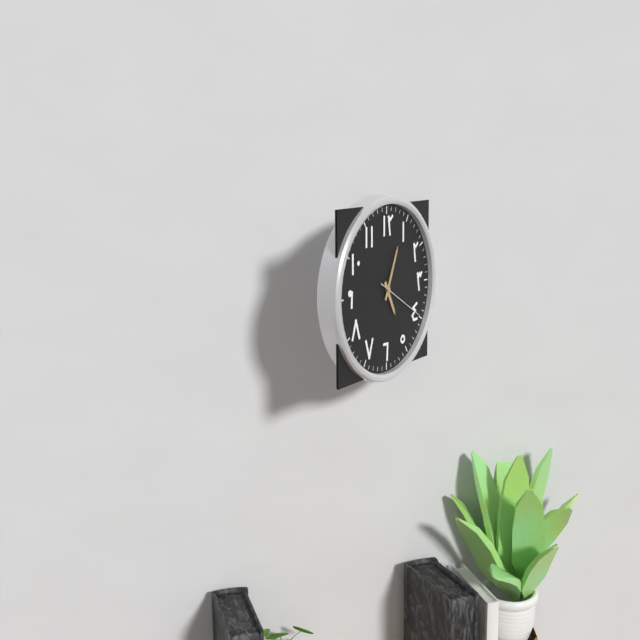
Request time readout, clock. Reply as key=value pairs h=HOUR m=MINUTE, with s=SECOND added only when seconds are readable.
h=5 m=4 s=20
